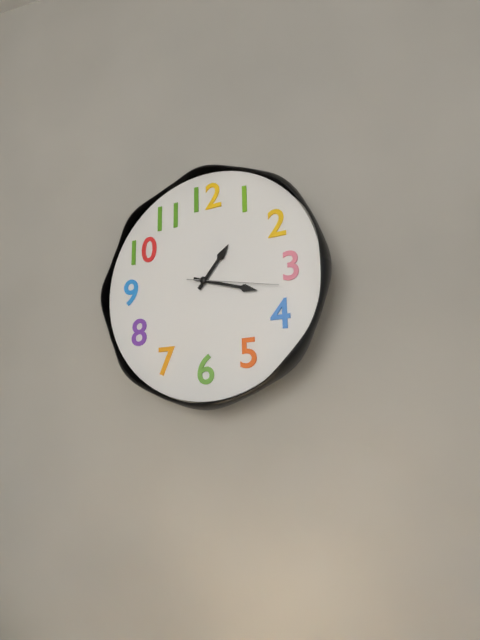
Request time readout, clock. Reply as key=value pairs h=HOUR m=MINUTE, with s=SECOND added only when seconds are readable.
h=1 m=18 s=17
